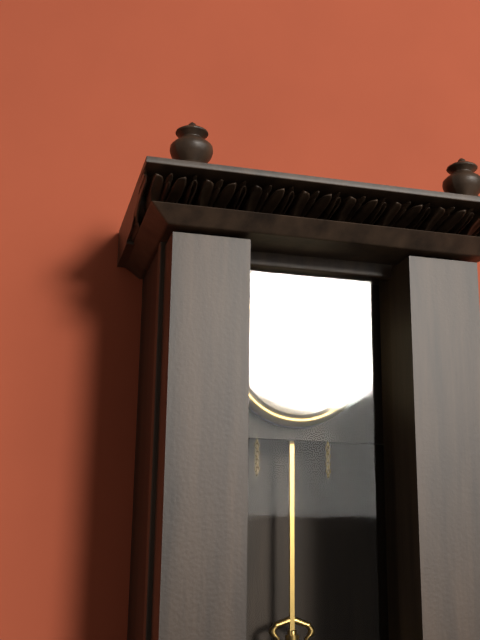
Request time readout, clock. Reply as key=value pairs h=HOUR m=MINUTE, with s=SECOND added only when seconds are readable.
h=11 m=13
